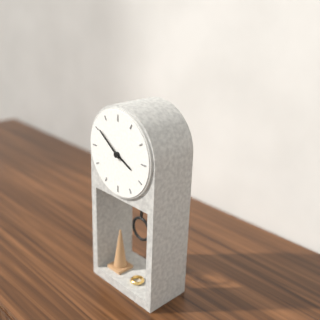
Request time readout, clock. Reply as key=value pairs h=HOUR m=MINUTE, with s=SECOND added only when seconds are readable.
h=3 m=51
